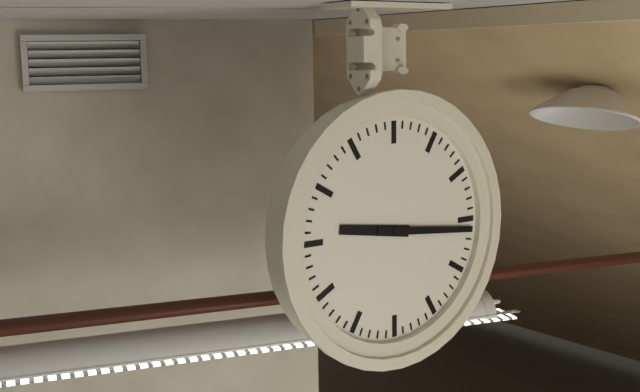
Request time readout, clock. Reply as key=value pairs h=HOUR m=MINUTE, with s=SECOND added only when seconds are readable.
h=9 m=16
